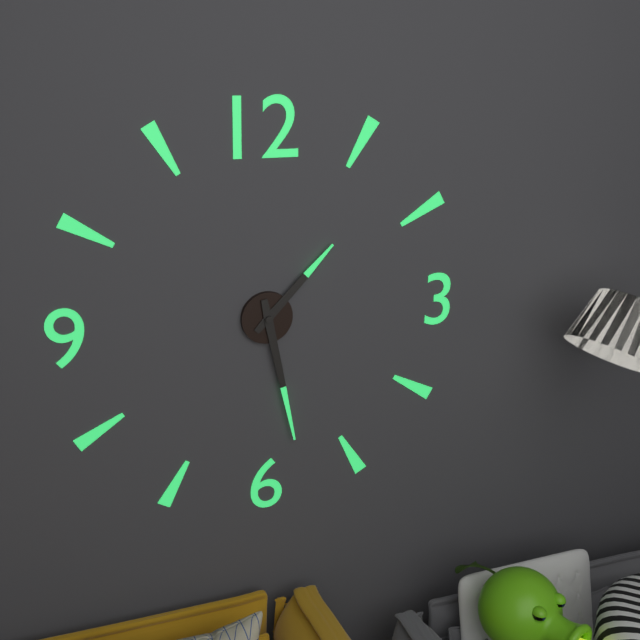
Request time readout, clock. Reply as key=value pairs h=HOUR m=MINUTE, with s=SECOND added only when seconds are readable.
h=1 m=28
